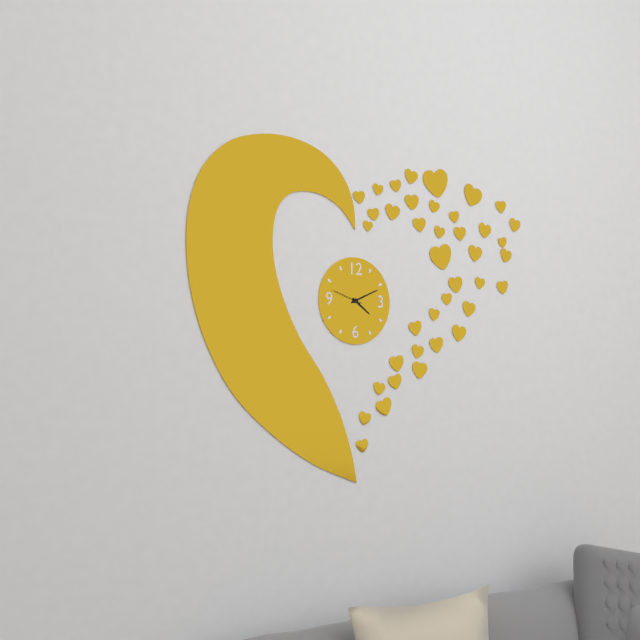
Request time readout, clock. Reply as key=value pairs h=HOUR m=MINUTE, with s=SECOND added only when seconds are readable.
h=4 m=11
